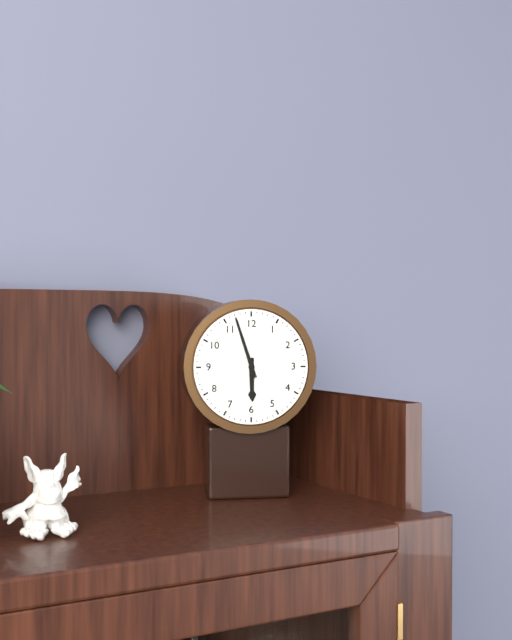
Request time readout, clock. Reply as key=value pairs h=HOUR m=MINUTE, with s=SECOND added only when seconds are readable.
h=5 m=57
